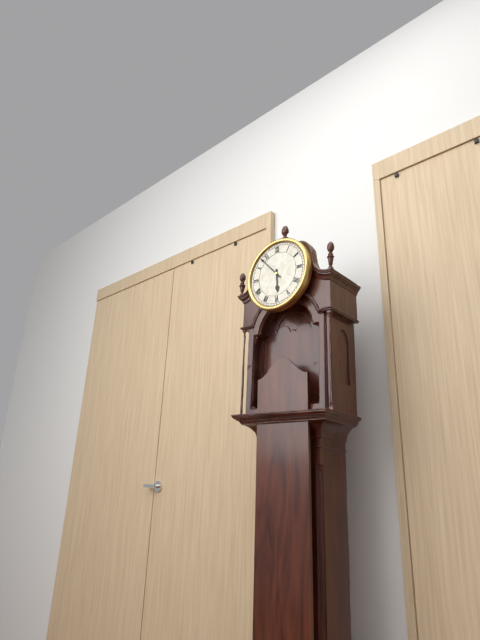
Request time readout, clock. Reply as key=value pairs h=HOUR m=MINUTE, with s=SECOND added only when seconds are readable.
h=5 m=53
